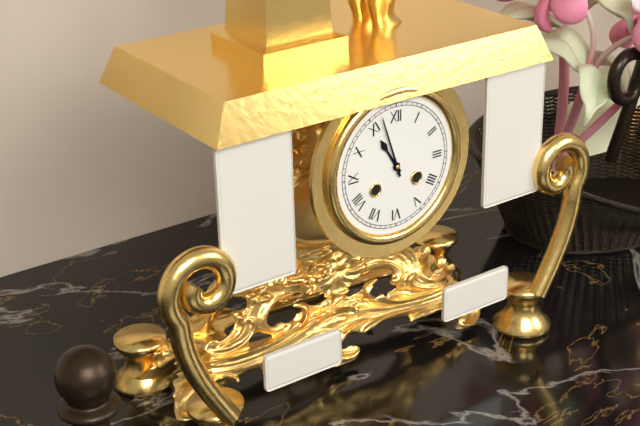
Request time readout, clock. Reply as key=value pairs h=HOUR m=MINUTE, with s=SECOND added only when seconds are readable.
h=10 m=57
